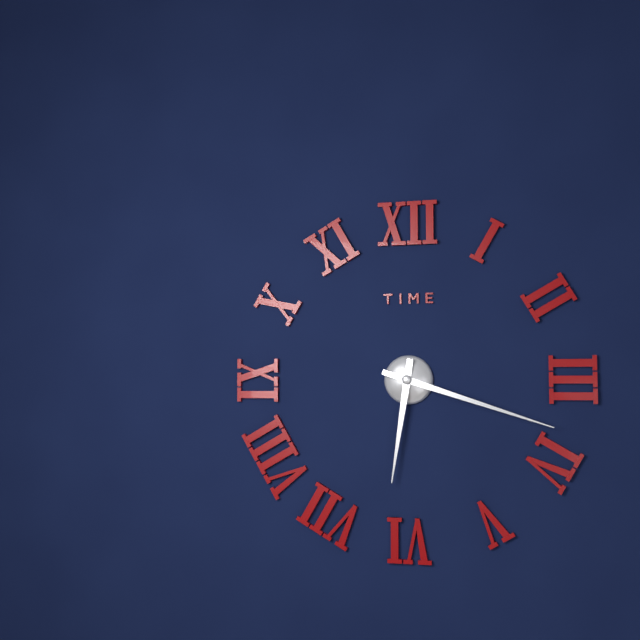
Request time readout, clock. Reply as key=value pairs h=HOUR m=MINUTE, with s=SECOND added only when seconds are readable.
h=6 m=18
